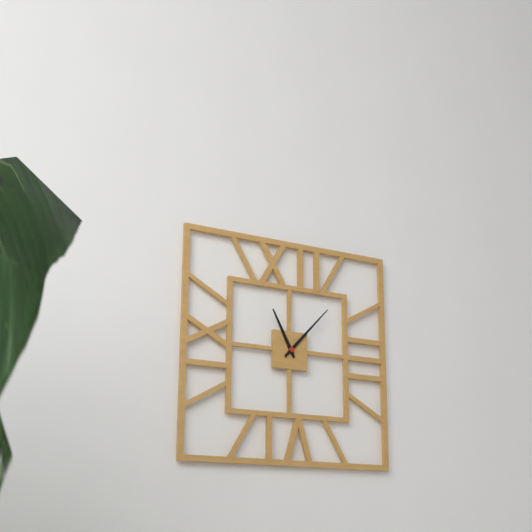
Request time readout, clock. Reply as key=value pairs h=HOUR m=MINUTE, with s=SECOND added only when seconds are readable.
h=11 m=7
